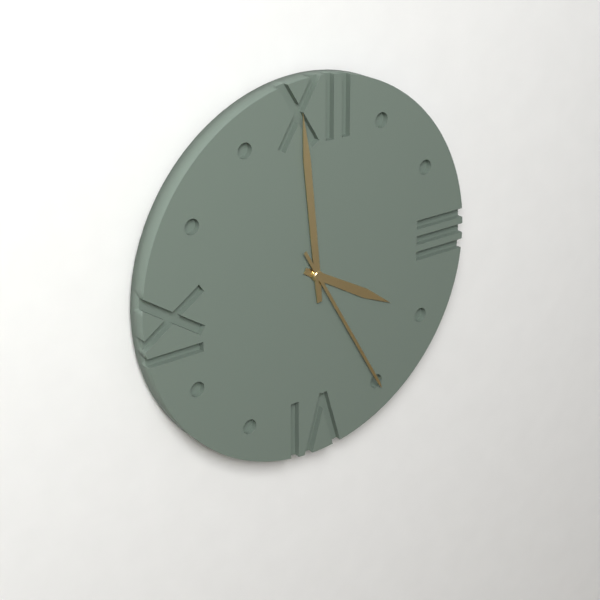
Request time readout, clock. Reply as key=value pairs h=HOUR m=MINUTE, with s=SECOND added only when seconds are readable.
h=3 m=59 s=25
